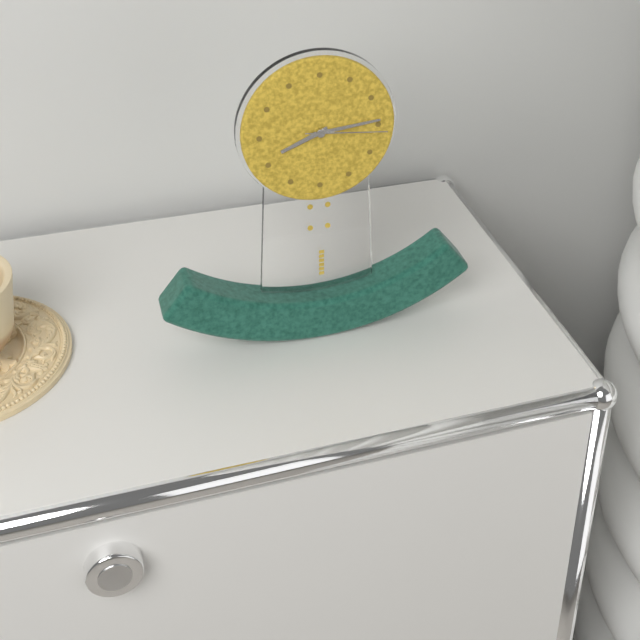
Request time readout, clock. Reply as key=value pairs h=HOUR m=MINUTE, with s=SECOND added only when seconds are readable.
h=8 m=14 s=16
